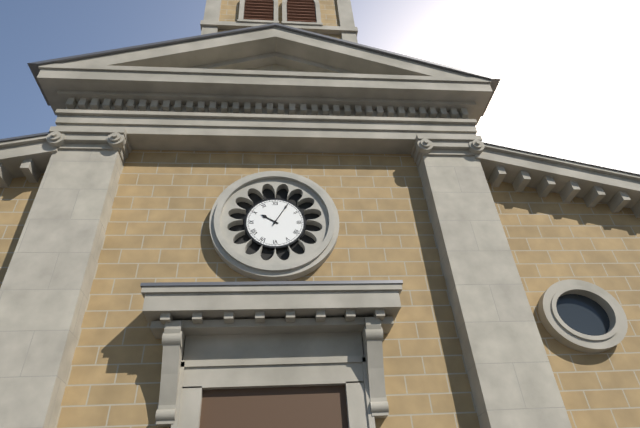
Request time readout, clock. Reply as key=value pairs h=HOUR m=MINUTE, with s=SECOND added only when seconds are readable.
h=10 m=5
